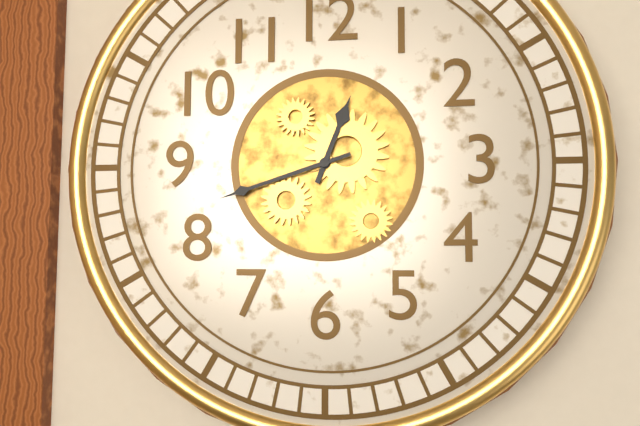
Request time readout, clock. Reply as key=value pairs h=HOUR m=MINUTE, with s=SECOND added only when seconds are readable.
h=12 m=42
